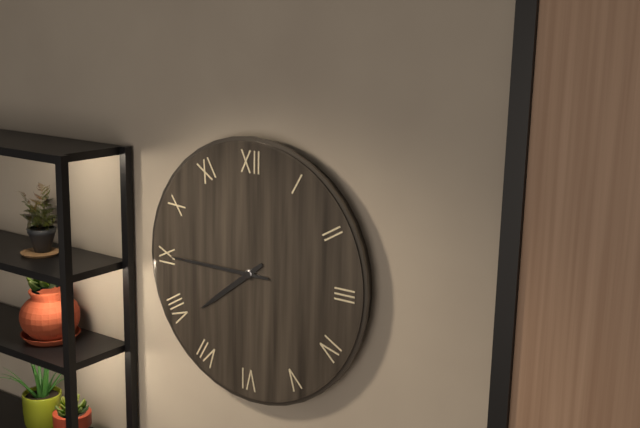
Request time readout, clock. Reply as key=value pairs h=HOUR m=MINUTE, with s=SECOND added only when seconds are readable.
h=7 m=45
